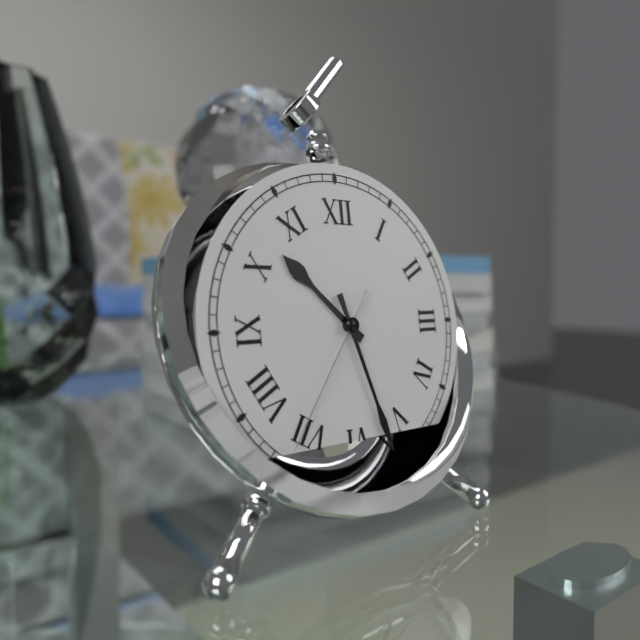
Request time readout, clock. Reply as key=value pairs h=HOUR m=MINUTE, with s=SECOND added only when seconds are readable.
h=10 m=27 s=36
